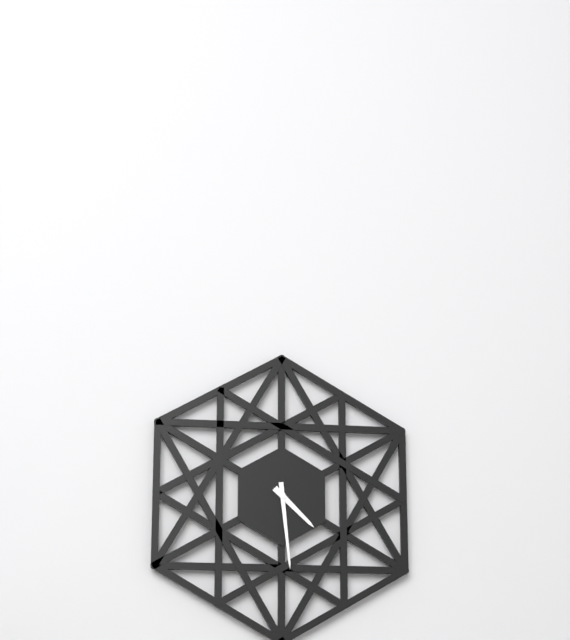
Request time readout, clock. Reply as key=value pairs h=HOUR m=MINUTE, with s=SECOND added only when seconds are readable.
h=4 m=29
